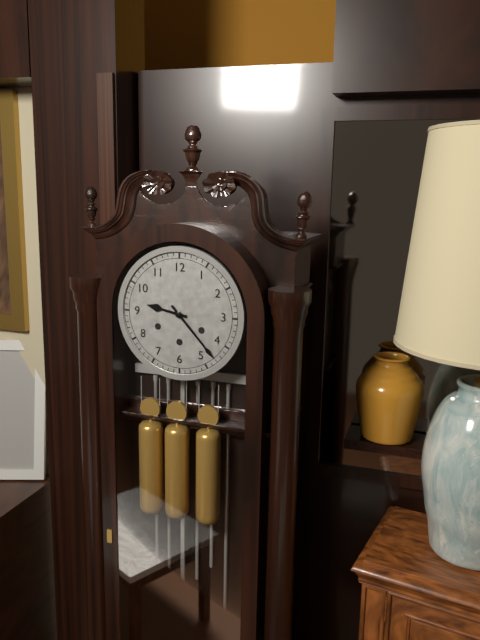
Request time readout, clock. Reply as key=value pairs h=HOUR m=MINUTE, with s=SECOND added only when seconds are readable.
h=9 m=23
